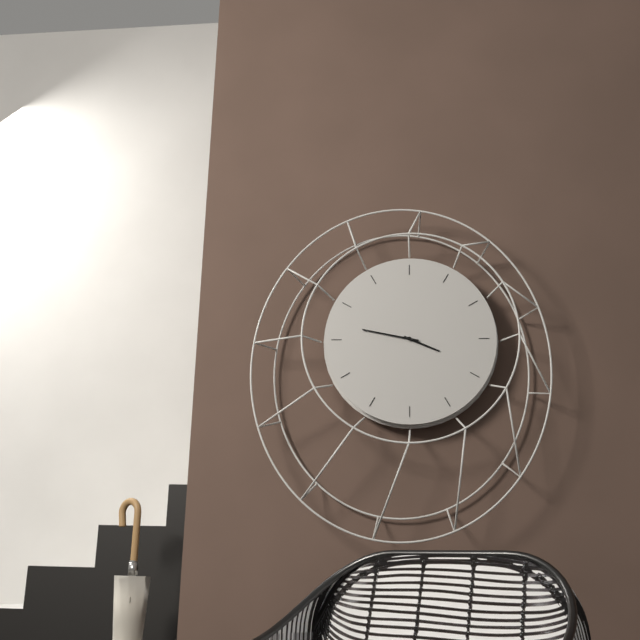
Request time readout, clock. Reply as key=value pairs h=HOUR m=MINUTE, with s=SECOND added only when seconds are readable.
h=3 m=47
